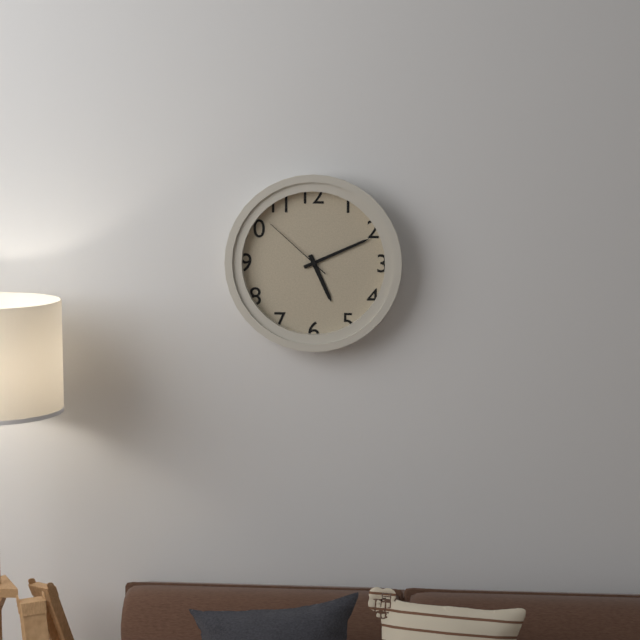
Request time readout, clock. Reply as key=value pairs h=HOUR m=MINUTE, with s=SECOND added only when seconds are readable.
h=5 m=11 s=52
